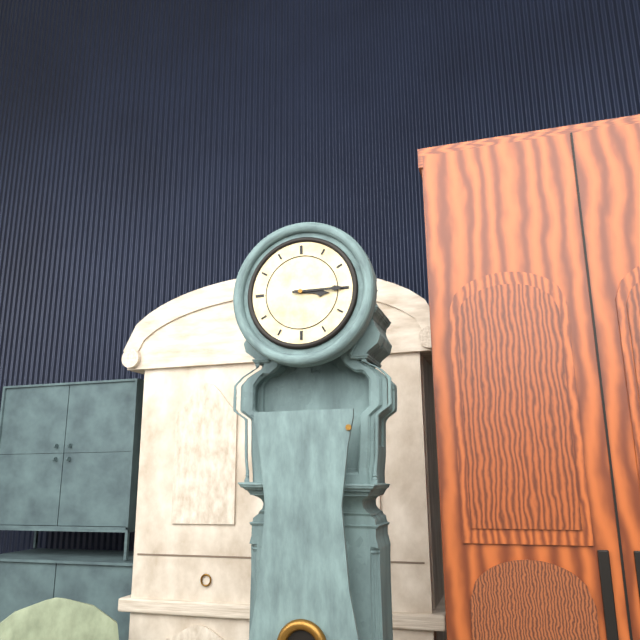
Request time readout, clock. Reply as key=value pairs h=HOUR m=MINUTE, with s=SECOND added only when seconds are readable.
h=3 m=15
